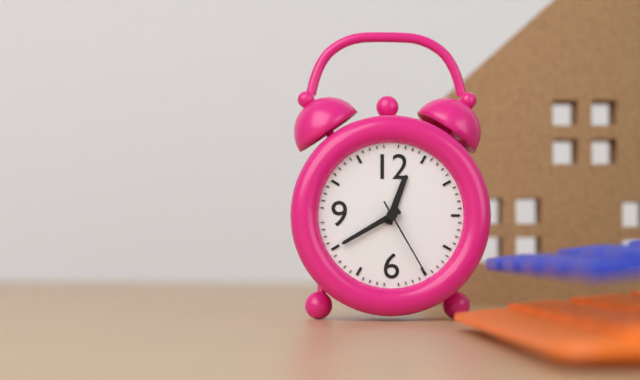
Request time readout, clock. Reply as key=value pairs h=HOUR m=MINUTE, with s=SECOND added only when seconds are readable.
h=12 m=40 s=25
